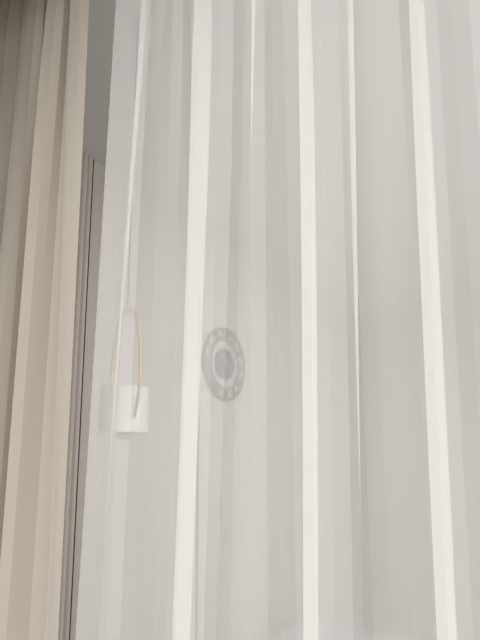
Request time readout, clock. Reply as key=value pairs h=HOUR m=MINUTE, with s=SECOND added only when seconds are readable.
h=10 m=33
